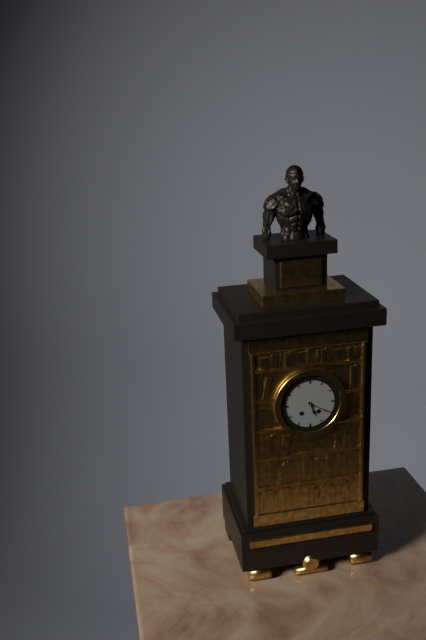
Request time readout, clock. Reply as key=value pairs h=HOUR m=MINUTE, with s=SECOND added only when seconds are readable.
h=5 m=20
